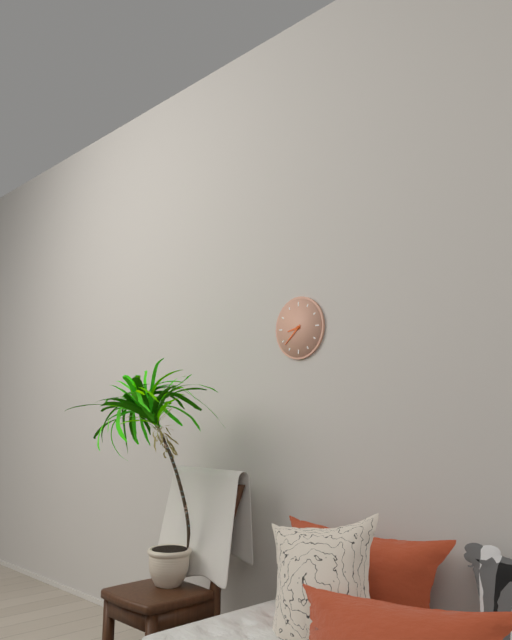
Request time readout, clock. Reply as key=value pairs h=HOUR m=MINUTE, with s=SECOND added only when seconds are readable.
h=8 m=38
